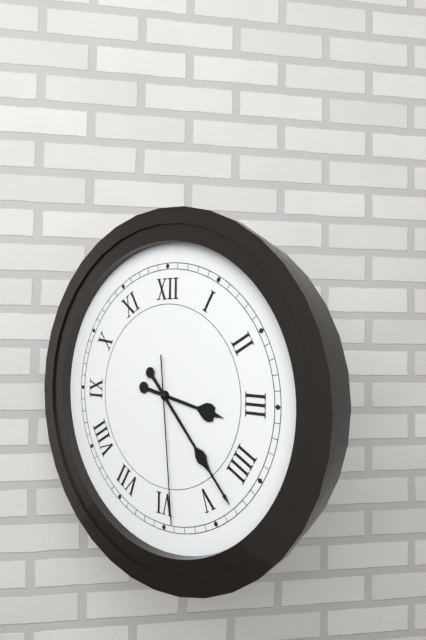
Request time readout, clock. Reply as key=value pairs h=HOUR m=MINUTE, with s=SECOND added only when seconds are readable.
h=3 m=23 s=29
